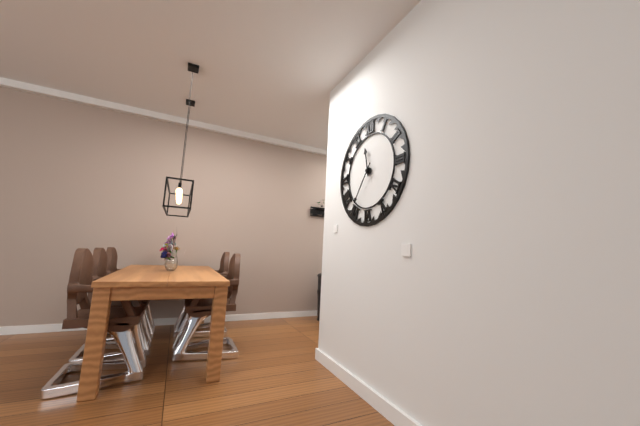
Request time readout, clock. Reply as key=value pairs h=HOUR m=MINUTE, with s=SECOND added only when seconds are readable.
h=11 m=36
